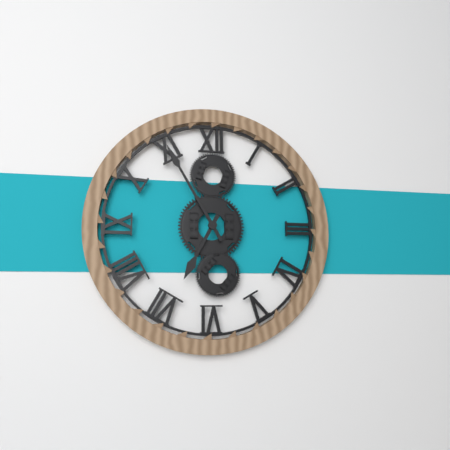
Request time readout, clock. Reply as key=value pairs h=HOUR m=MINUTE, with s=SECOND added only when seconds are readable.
h=6 m=55
